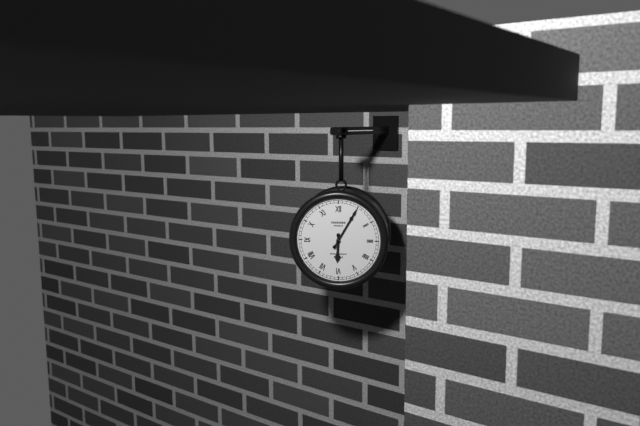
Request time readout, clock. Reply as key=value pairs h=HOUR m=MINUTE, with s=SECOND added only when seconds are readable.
h=6 m=5
